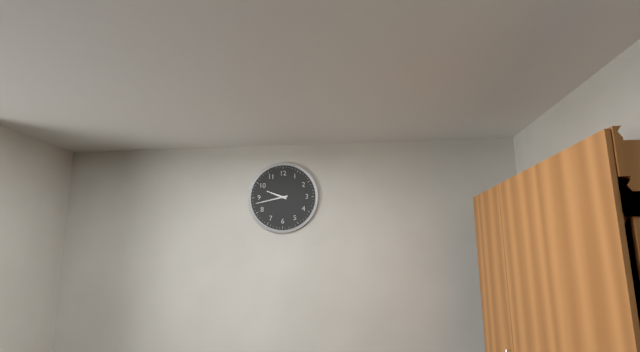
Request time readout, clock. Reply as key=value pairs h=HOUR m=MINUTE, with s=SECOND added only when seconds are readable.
h=9 m=43
